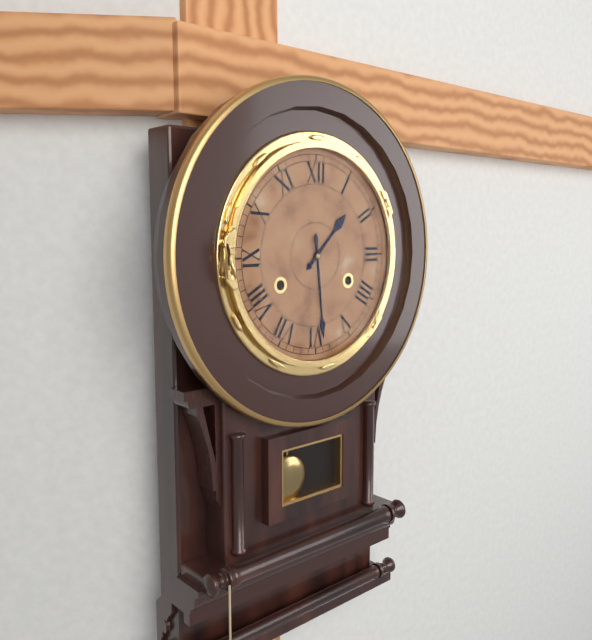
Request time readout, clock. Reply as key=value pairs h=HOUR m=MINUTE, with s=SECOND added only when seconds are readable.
h=1 m=29
